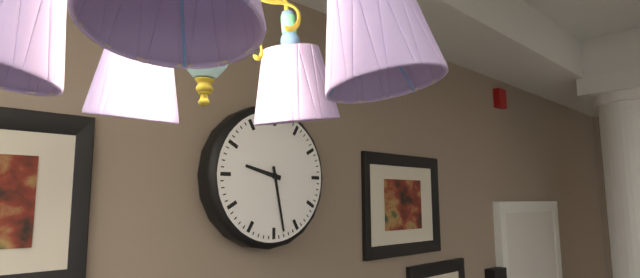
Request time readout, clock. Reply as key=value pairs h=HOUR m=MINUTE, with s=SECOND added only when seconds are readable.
h=9 m=28
